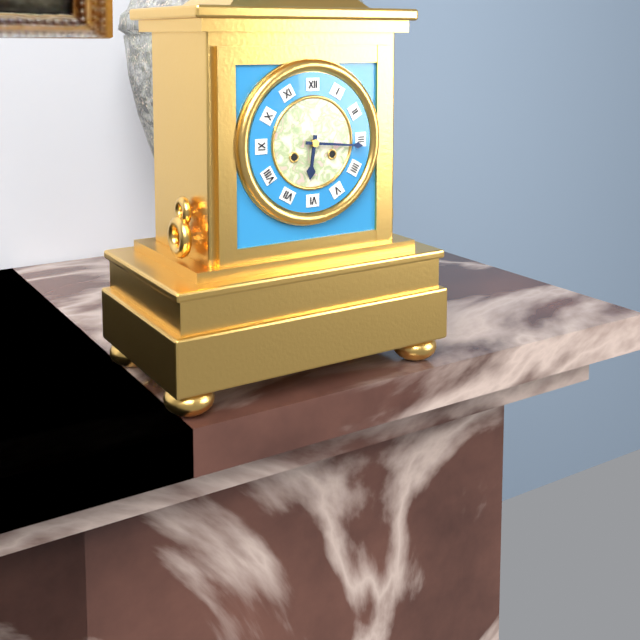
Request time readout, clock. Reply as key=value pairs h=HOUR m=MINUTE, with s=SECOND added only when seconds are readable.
h=6 m=16
